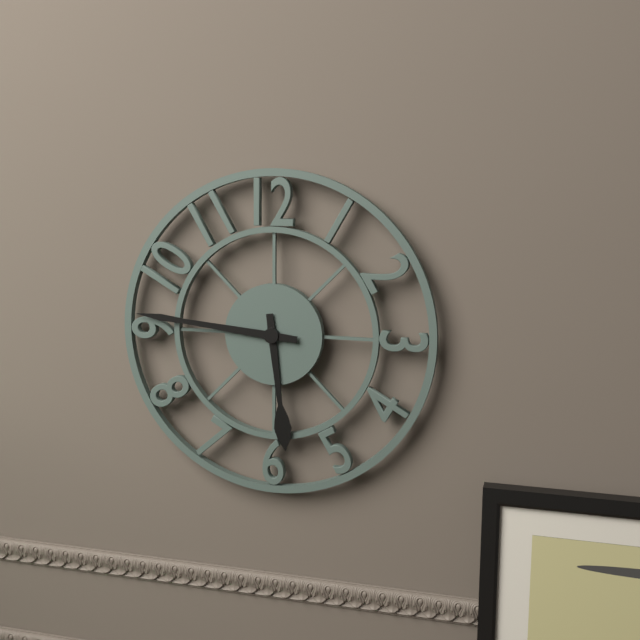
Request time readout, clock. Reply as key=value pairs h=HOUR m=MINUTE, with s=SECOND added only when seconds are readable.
h=5 m=46
